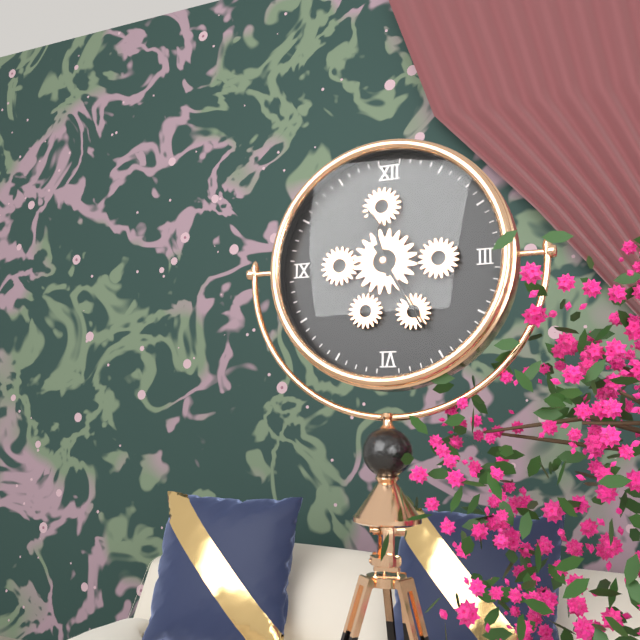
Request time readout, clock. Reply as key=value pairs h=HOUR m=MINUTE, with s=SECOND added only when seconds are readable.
h=11 m=25
